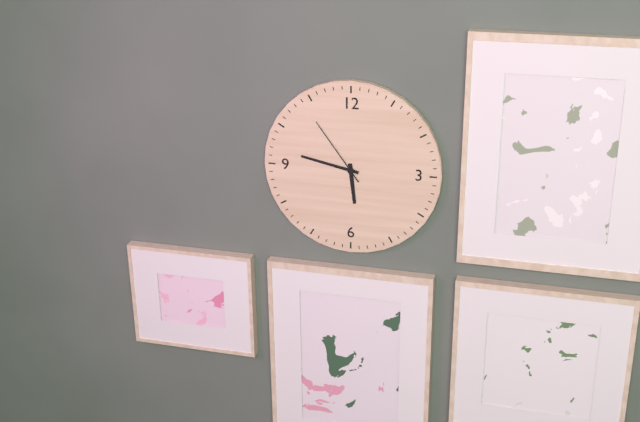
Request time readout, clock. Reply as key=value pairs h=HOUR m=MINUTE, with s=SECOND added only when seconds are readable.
h=5 m=47 s=54
